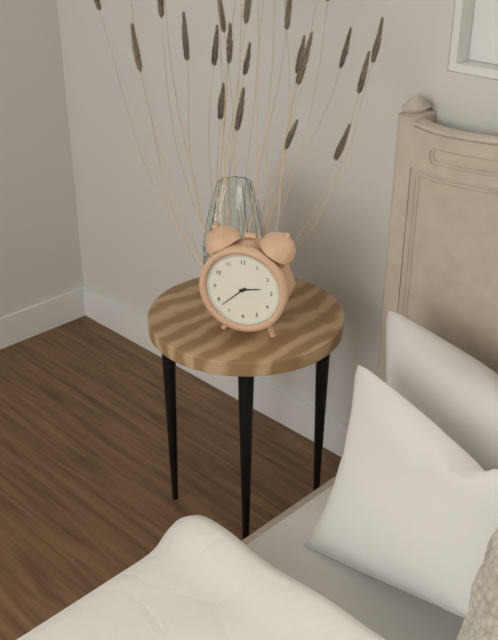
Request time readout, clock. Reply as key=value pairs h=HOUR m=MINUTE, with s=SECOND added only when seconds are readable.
h=2 m=38
